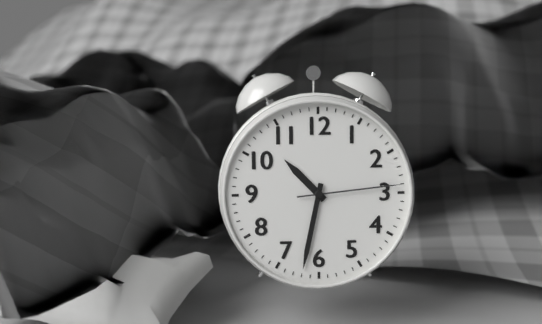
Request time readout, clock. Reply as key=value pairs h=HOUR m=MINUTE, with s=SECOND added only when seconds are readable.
h=10 m=32 s=14
